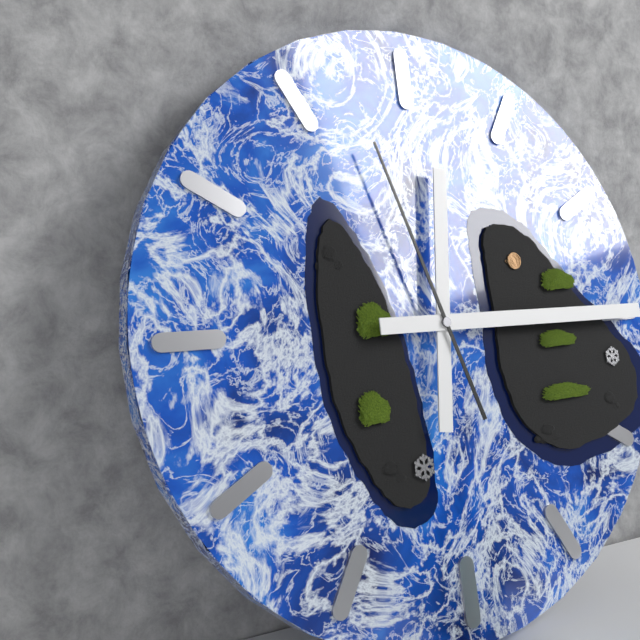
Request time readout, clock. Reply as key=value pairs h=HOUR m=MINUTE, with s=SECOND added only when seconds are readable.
h=12 m=15 s=57
